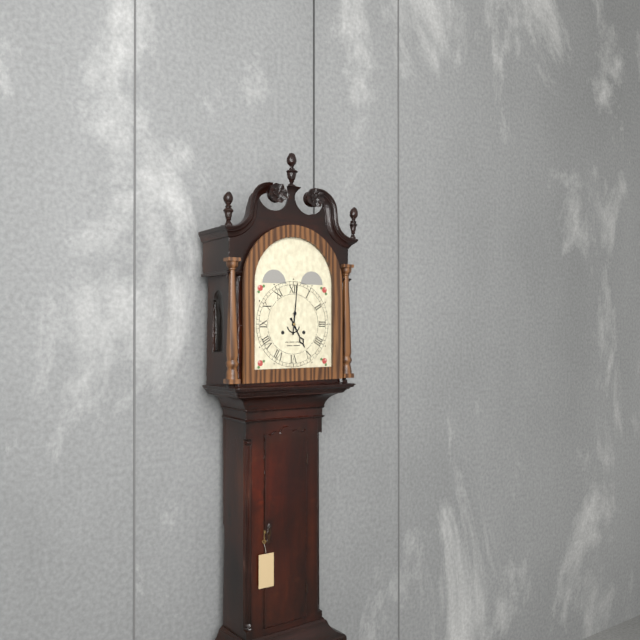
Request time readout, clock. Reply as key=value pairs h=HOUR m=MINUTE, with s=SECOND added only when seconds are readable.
h=5 m=1
